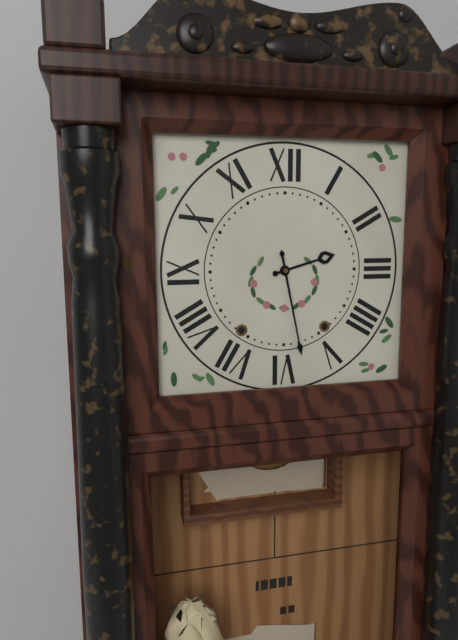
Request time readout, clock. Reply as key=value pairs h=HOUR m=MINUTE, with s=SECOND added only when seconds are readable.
h=2 m=28
